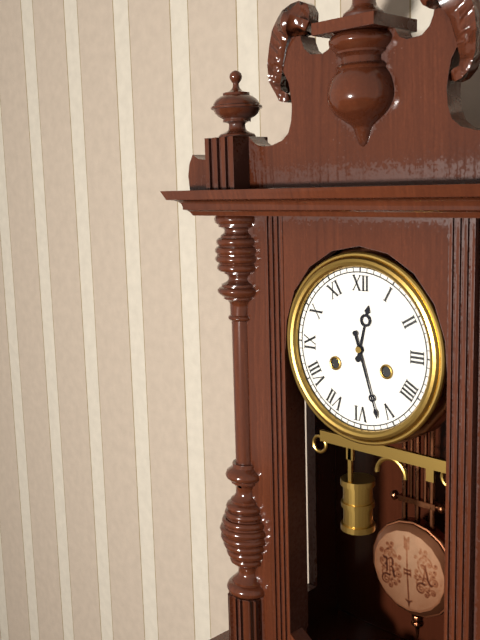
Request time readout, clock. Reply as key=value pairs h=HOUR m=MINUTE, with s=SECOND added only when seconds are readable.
h=12 m=27
